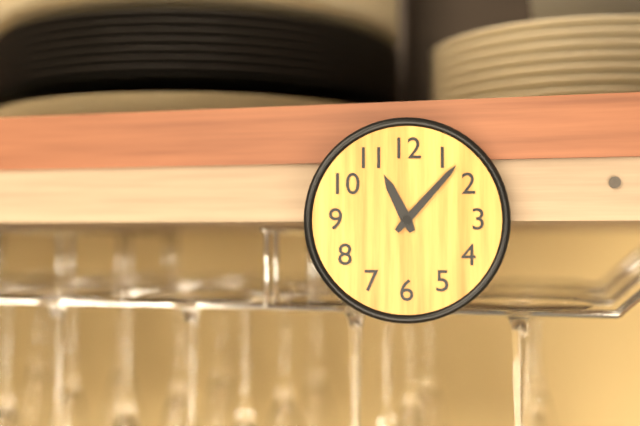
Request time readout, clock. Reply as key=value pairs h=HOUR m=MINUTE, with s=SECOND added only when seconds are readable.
h=11 m=7
